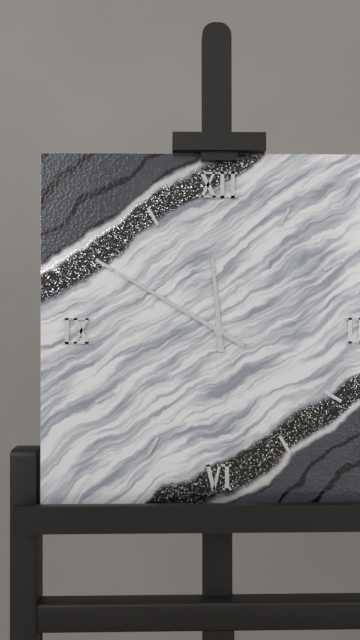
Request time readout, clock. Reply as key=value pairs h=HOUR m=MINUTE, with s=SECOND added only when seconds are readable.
h=11 m=50
